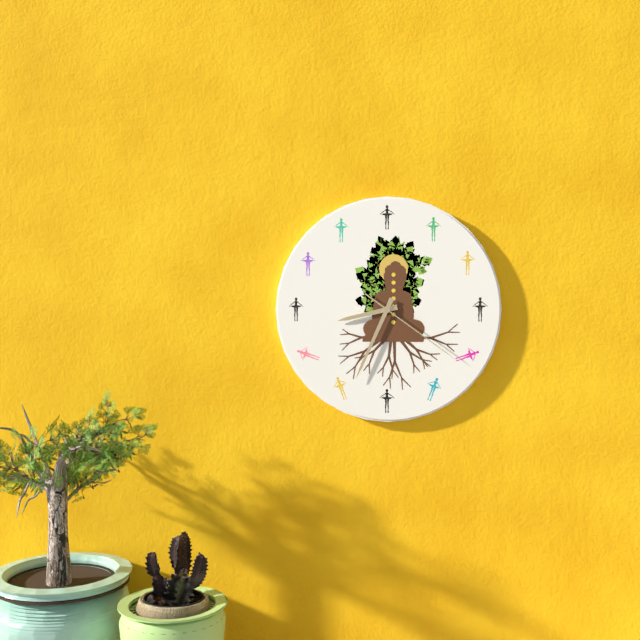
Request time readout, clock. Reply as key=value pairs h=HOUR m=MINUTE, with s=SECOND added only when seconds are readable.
h=8 m=34 s=21
